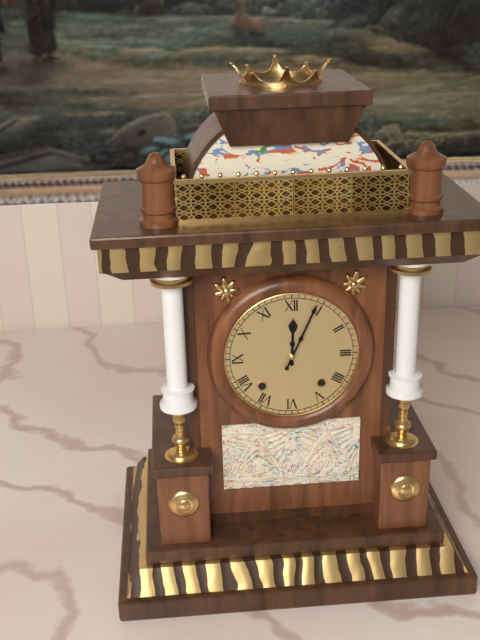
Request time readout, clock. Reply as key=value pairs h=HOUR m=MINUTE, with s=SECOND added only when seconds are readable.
h=12 m=4
